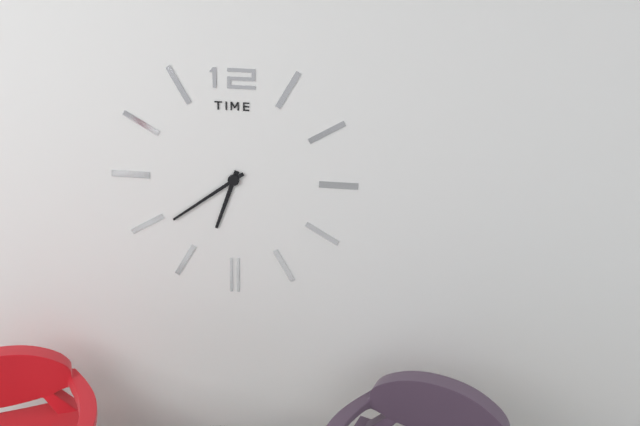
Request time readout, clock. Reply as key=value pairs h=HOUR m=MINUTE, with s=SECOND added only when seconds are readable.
h=6 m=39
